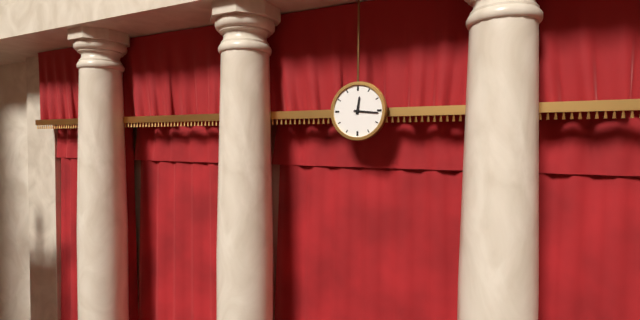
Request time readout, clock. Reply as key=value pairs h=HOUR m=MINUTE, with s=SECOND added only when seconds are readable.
h=12 m=16
